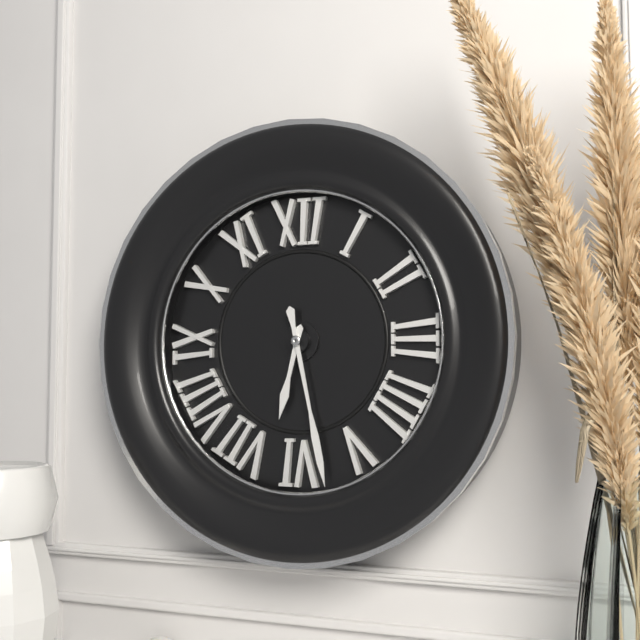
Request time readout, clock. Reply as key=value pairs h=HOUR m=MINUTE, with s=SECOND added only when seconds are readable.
h=6 m=28
